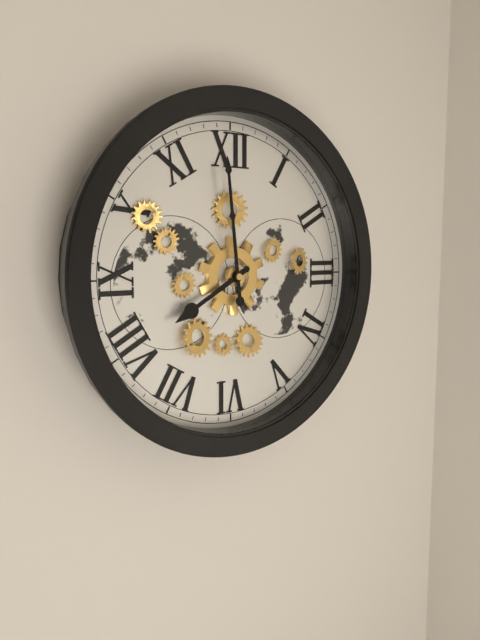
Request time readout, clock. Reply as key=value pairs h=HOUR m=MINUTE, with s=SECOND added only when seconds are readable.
h=7 m=59
